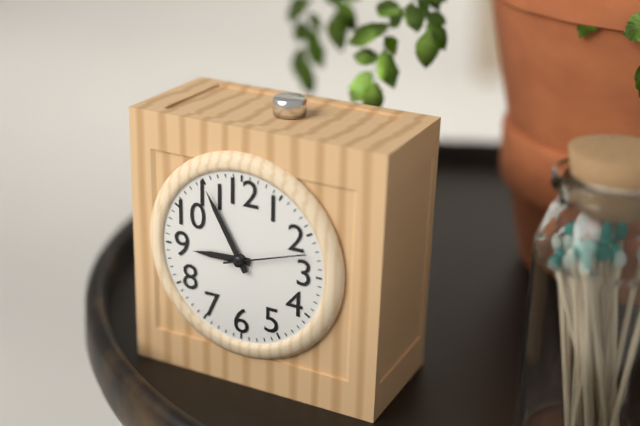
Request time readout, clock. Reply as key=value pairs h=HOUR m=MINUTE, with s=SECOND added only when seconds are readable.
h=8 m=55 s=12
